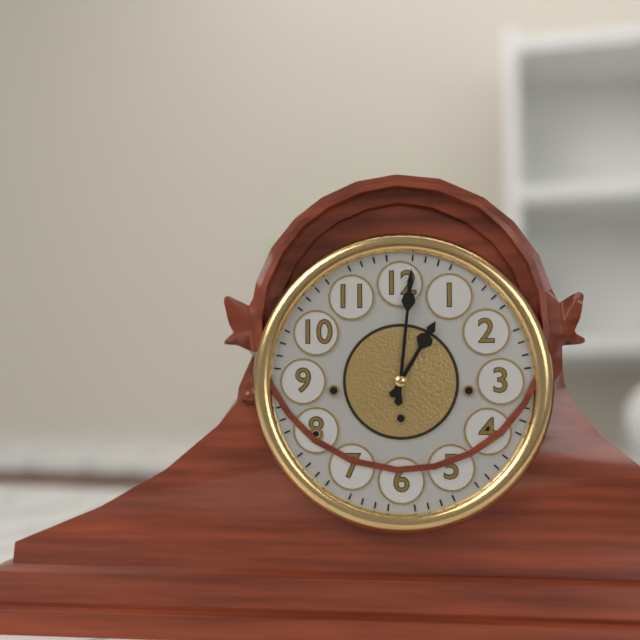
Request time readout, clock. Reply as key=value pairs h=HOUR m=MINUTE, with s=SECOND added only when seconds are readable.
h=1 m=1
